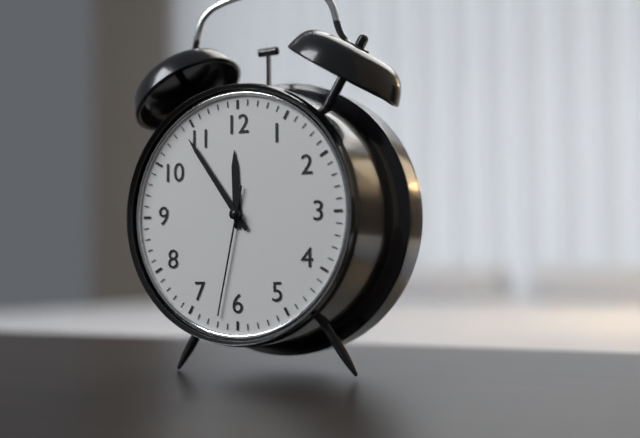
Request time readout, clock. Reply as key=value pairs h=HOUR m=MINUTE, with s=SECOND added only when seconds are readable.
h=11 m=54 s=32
